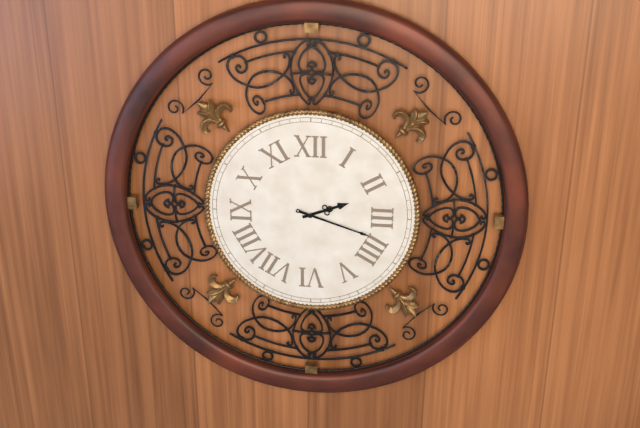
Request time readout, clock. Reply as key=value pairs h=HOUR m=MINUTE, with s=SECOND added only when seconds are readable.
h=2 m=18
